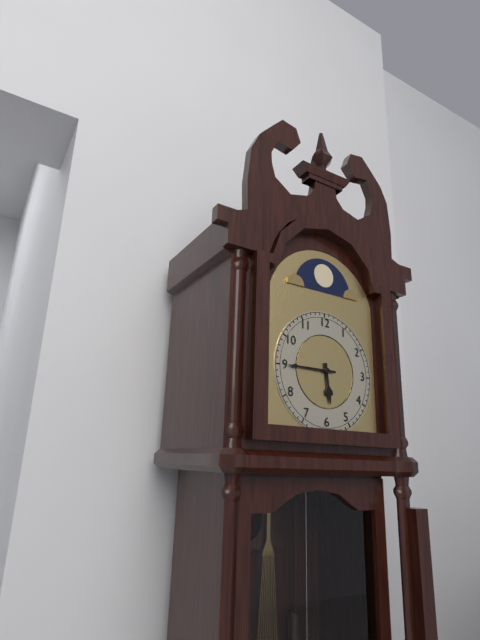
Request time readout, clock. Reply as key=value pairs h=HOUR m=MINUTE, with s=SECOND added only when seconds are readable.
h=5 m=45
